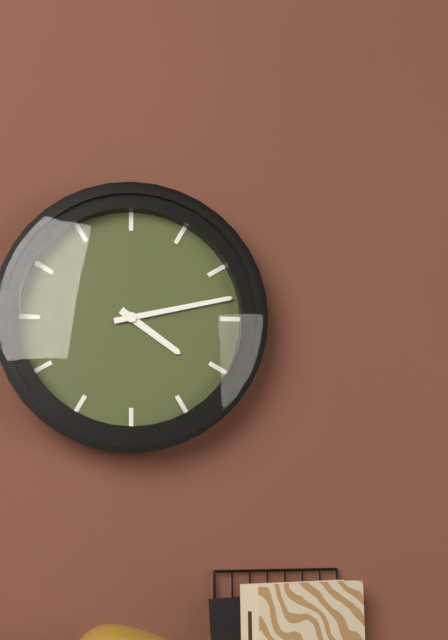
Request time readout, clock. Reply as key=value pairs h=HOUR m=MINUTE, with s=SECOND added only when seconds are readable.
h=4 m=13
